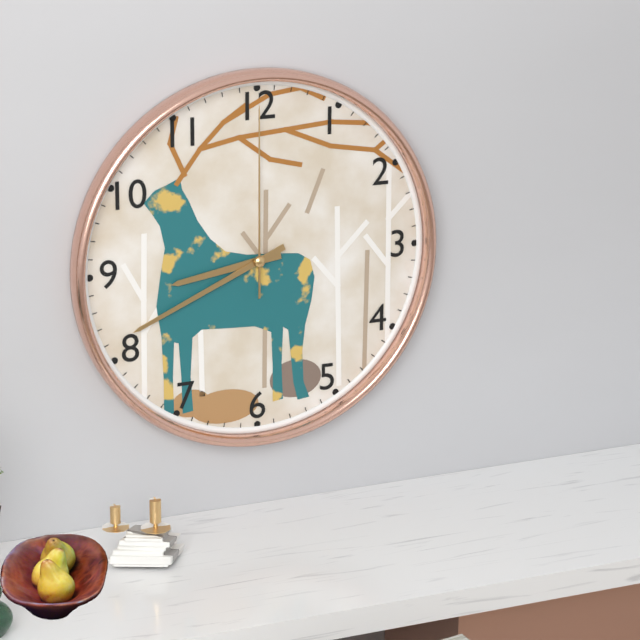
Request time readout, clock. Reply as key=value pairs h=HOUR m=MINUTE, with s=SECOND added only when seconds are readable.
h=8 m=41 s=0
